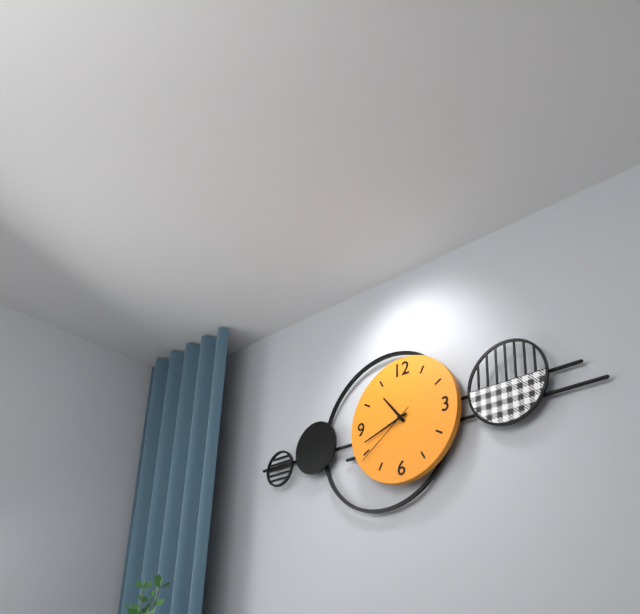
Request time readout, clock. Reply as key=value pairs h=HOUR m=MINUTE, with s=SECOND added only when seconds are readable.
h=10 m=42 s=39
